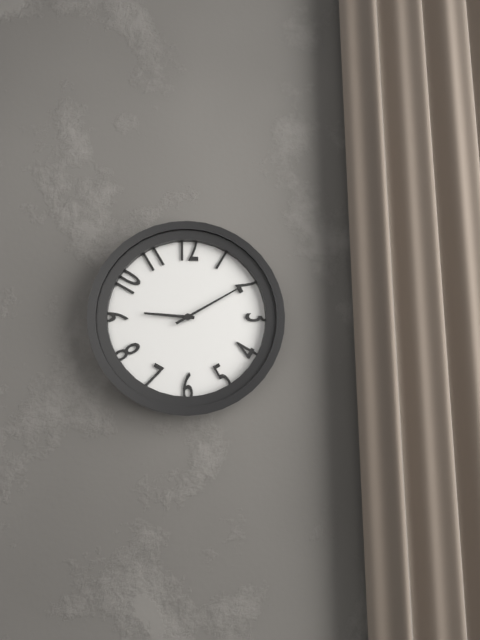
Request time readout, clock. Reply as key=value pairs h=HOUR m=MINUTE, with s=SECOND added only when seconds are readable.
h=9 m=10
